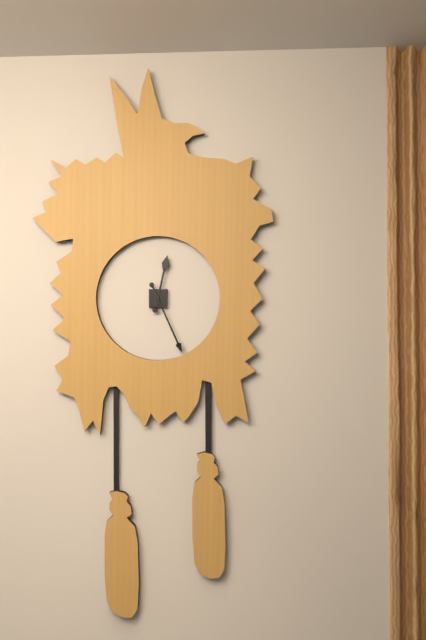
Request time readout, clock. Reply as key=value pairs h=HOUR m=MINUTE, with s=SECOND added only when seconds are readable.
h=12 m=26
